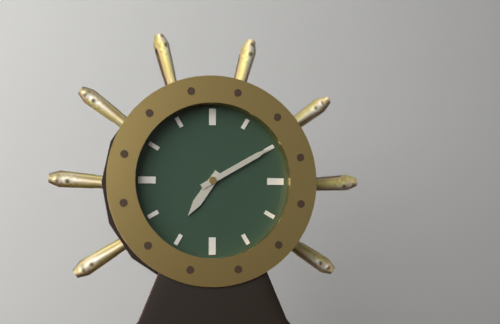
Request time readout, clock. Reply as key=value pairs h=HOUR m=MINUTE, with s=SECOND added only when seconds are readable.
h=7 m=10
